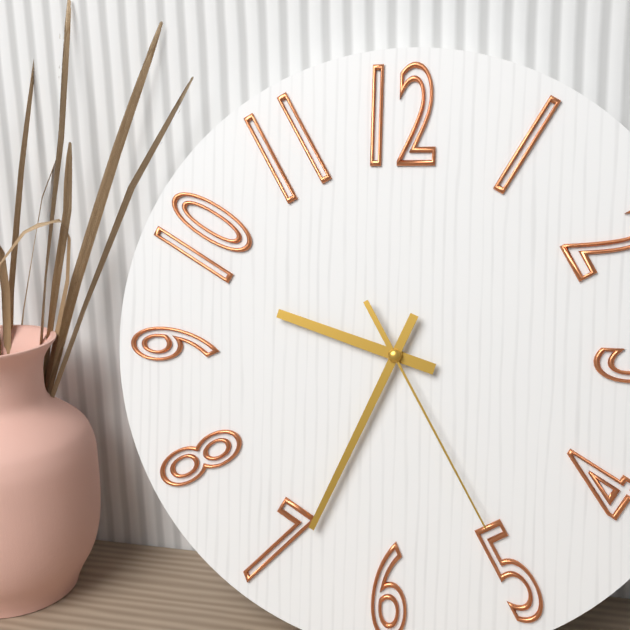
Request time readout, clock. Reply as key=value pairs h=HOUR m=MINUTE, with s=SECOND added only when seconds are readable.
h=9 m=34 s=25
